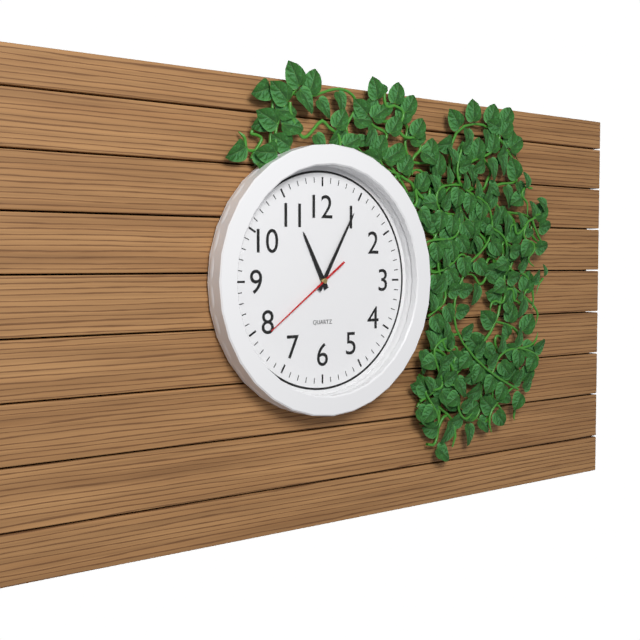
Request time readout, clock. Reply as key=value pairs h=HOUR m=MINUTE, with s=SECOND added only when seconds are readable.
h=11 m=5 s=39
